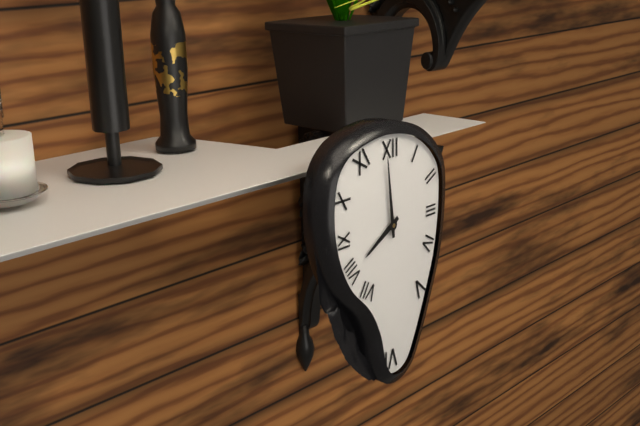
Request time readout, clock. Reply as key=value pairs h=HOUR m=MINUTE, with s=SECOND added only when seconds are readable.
h=7 m=59
